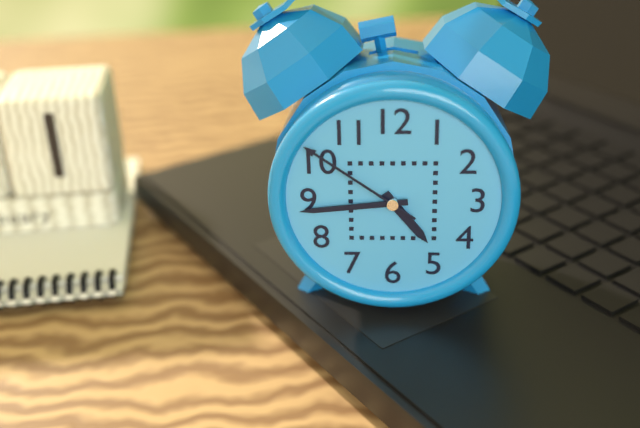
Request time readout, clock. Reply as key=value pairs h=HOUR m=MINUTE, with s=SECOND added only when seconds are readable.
h=4 m=44 s=51
